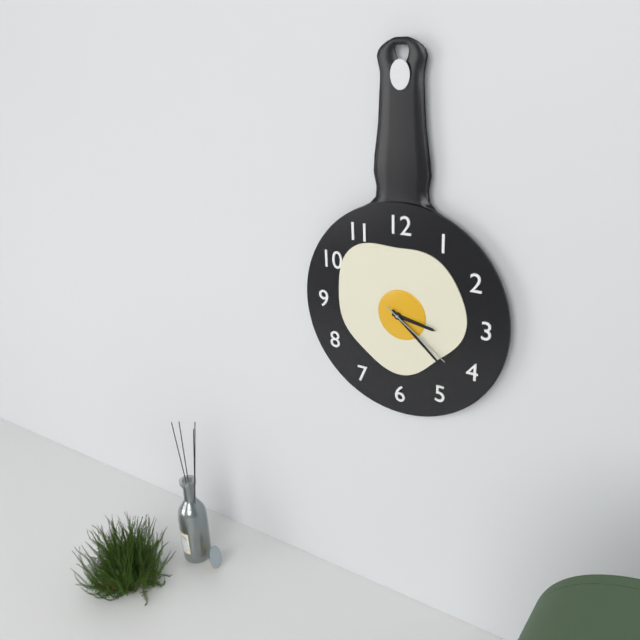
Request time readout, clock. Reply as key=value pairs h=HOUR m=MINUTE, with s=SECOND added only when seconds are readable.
h=3 m=22 s=21
